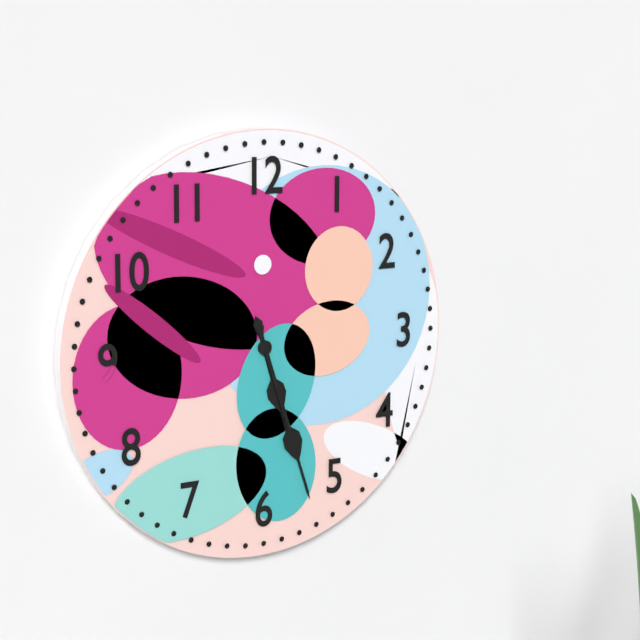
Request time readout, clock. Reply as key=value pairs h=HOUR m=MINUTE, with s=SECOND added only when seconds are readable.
h=5 m=27
